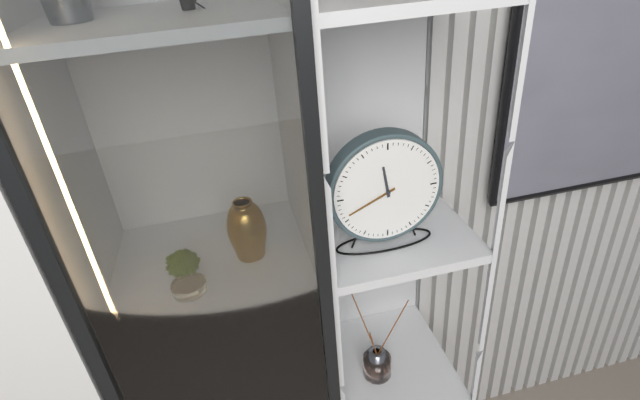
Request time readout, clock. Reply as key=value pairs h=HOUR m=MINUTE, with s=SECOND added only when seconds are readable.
h=11 m=41
